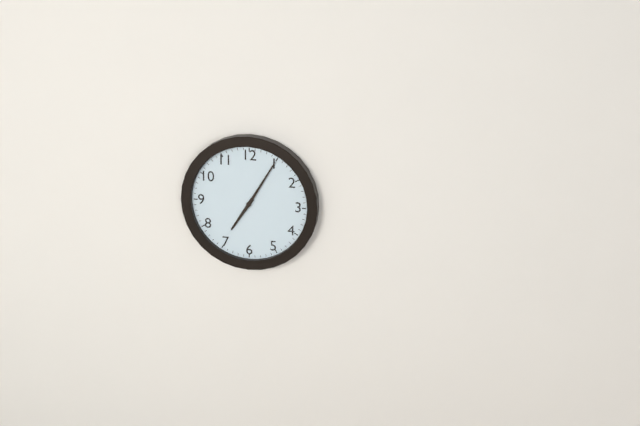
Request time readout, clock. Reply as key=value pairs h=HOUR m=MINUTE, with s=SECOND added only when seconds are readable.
h=7 m=5
